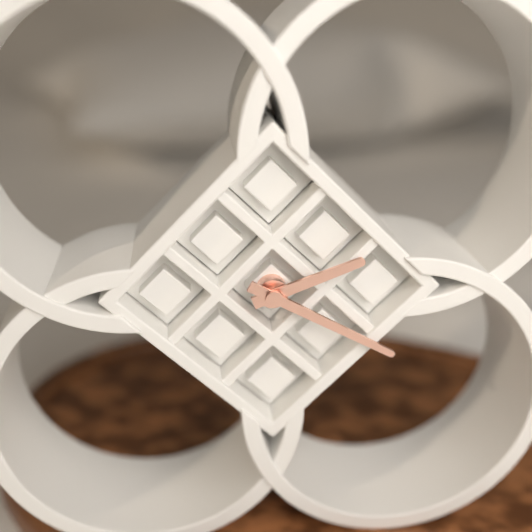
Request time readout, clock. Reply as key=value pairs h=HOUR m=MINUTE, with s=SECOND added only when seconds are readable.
h=2 m=20
